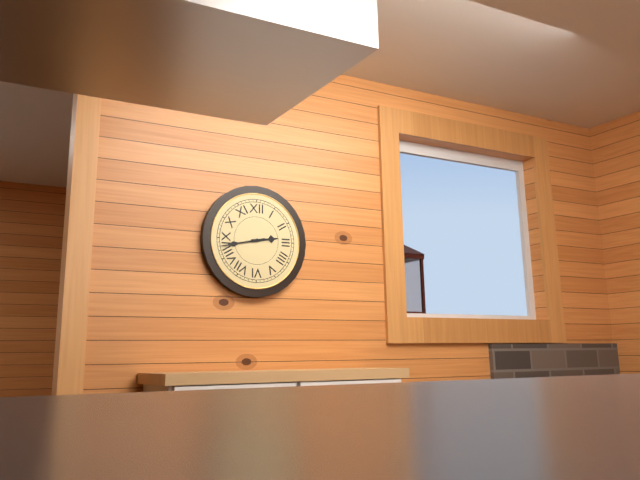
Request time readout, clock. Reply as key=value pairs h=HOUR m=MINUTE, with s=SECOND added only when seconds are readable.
h=2 m=43
